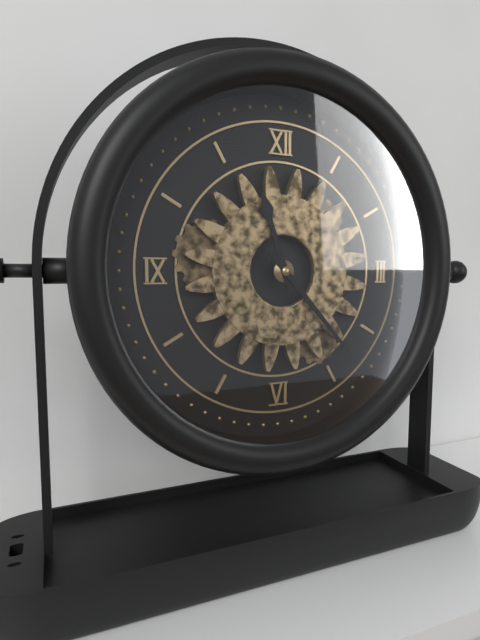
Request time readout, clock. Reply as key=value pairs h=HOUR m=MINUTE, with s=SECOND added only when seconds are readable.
h=11 m=23
